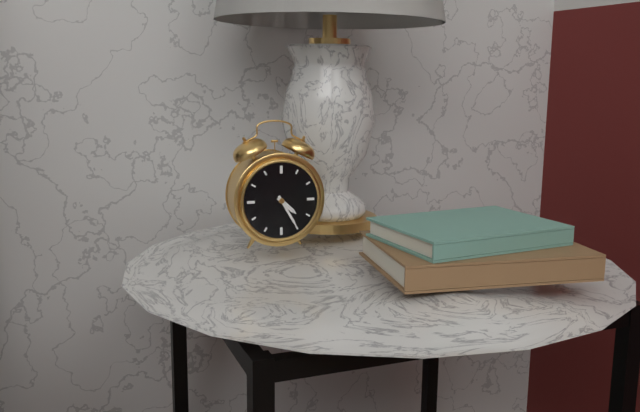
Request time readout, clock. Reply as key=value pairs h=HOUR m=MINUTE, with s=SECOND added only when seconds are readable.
h=4 m=25
